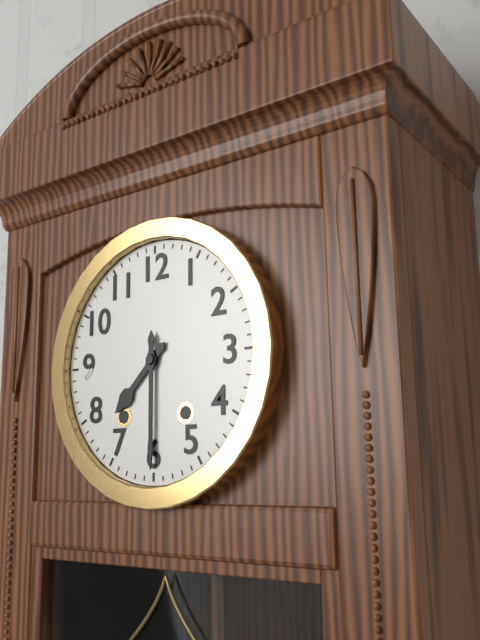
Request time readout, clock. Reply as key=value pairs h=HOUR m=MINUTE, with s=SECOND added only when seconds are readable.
h=7 m=30
